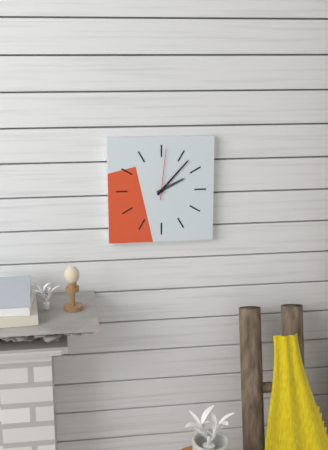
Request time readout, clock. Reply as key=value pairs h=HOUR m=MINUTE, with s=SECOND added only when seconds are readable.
h=2 m=7 s=1
